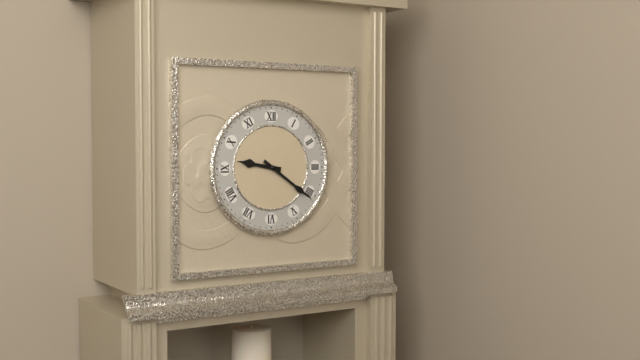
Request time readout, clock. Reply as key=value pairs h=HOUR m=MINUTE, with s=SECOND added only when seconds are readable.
h=9 m=21
